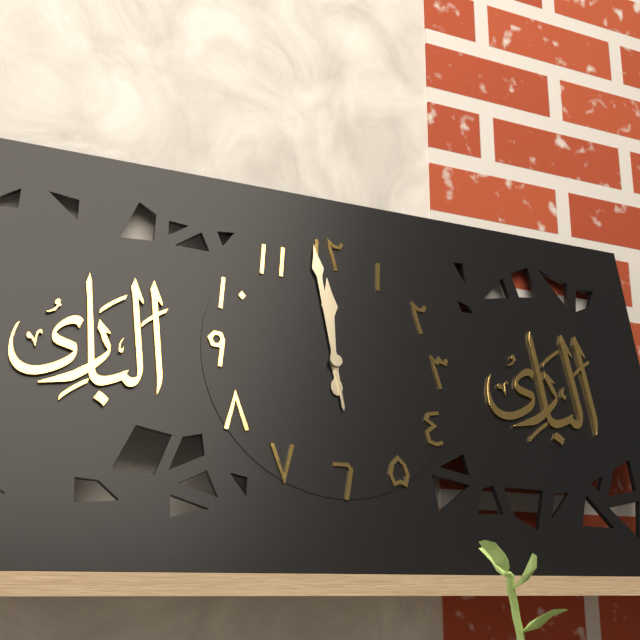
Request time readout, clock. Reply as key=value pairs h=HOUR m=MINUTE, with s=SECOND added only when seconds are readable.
h=11 m=59
